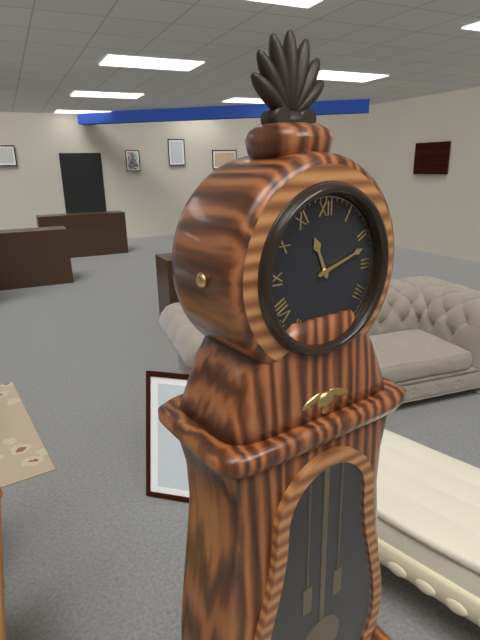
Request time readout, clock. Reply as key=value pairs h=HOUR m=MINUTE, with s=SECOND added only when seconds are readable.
h=11 m=12
